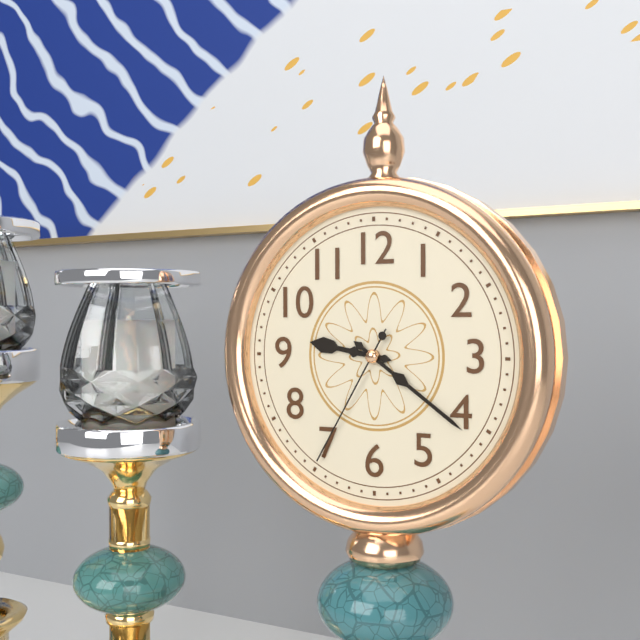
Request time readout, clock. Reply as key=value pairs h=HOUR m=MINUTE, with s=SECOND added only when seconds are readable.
h=9 m=21 s=35
